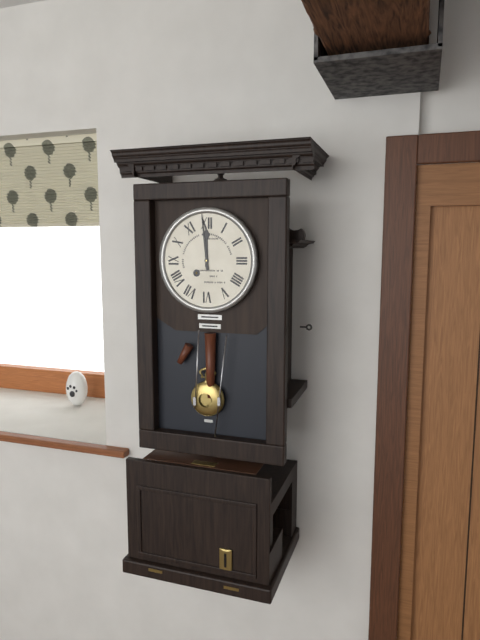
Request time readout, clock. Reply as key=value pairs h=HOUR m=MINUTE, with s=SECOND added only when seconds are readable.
h=11 m=59
